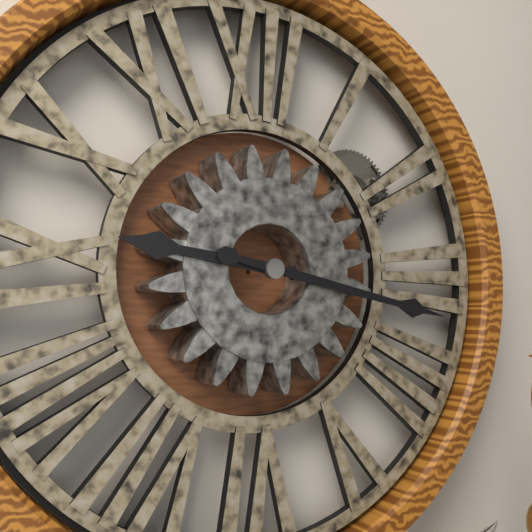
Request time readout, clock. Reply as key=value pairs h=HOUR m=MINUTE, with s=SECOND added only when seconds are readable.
h=9 m=17
